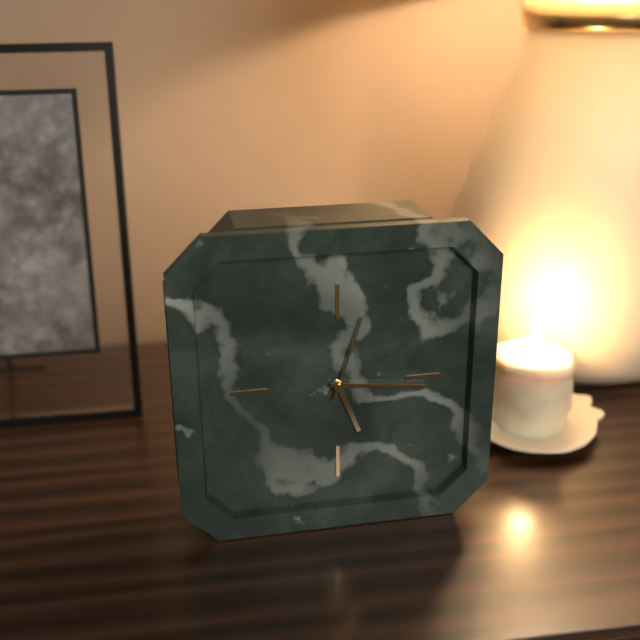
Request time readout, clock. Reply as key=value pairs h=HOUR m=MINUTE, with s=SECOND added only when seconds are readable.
h=5 m=16 s=3
